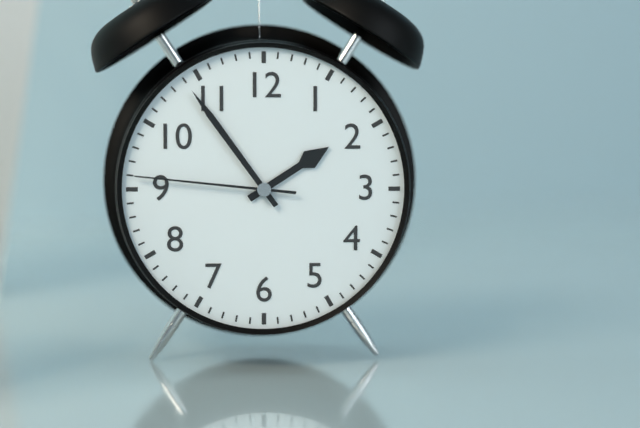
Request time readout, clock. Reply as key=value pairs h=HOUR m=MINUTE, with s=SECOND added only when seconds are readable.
h=1 m=54 s=46
